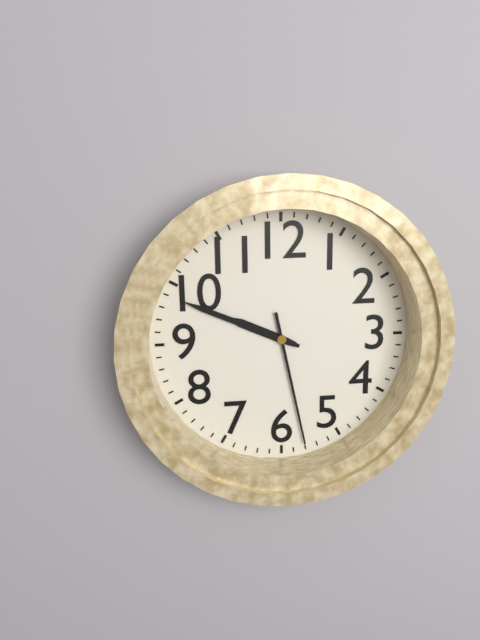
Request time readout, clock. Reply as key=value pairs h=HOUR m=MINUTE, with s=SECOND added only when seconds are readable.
h=9 m=49 s=28
